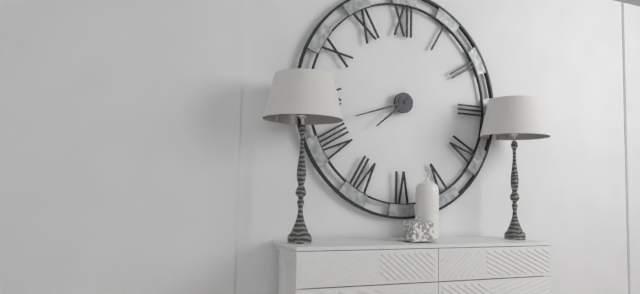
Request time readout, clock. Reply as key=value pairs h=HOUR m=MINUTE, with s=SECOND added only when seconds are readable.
h=7 m=42
